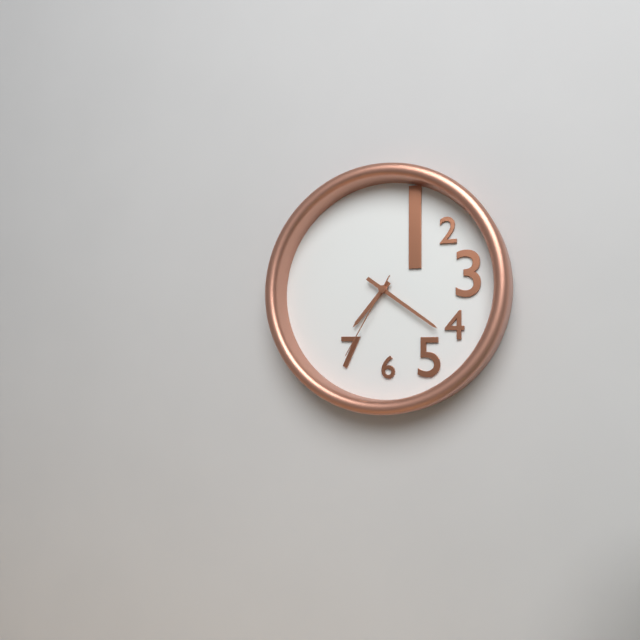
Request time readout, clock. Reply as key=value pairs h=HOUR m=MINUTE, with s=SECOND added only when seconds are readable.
h=7 m=21 s=35
